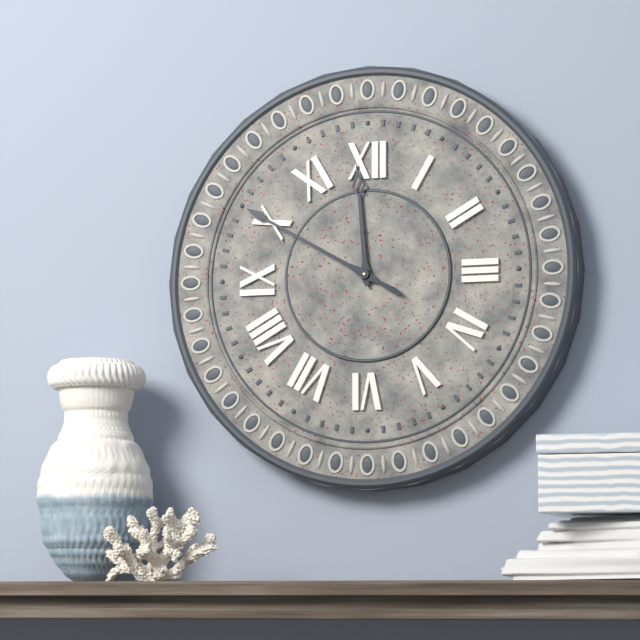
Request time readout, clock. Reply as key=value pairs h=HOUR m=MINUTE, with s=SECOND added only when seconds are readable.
h=11 m=50
